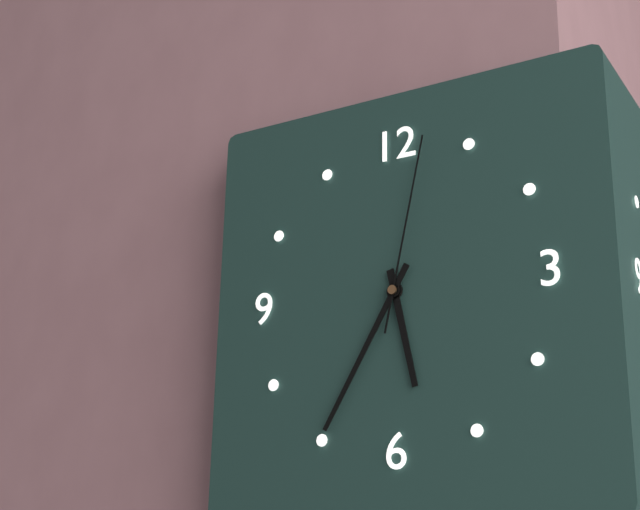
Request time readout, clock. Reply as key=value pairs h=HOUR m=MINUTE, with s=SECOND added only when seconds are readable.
h=5 m=35 s=2
